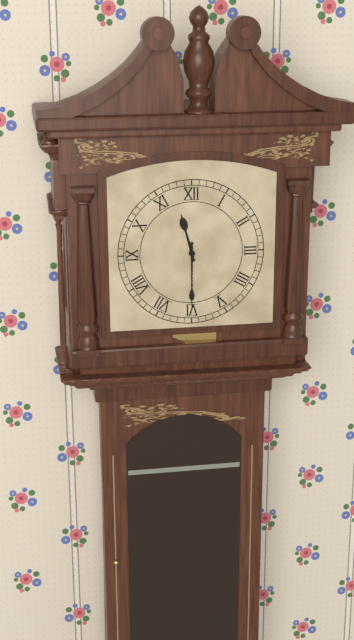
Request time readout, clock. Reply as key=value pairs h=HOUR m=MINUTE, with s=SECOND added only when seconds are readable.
h=11 m=30
